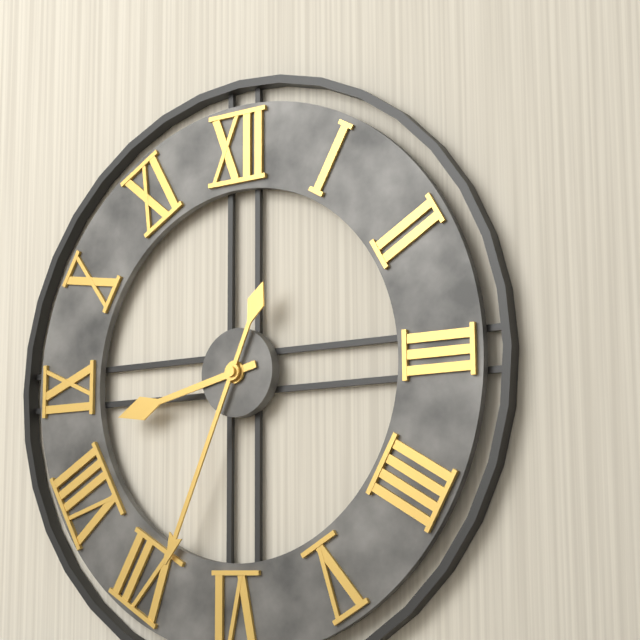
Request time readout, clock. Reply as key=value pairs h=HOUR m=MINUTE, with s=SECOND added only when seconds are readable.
h=8 m=34
